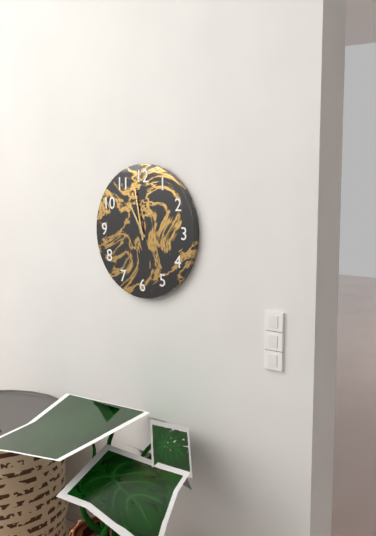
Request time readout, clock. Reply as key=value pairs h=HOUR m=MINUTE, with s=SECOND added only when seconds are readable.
h=10 m=58
